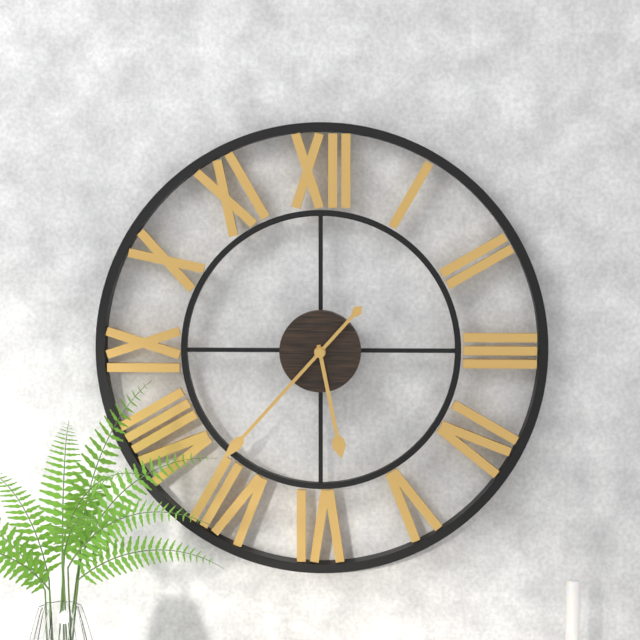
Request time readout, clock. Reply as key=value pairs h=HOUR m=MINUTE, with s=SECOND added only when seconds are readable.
h=5 m=37
